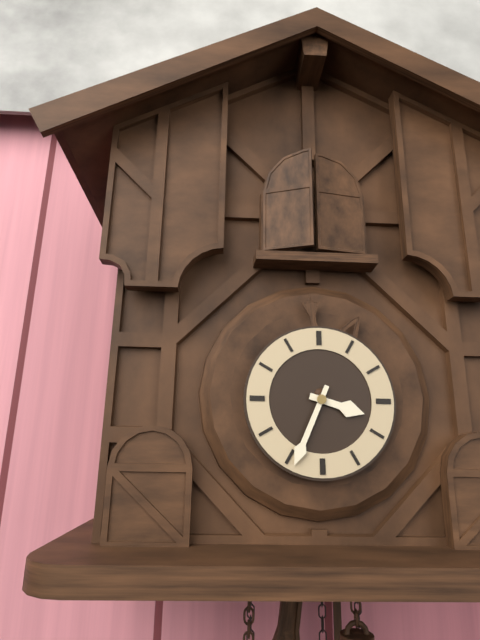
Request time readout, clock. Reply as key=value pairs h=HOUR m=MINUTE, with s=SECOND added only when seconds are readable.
h=3 m=34
